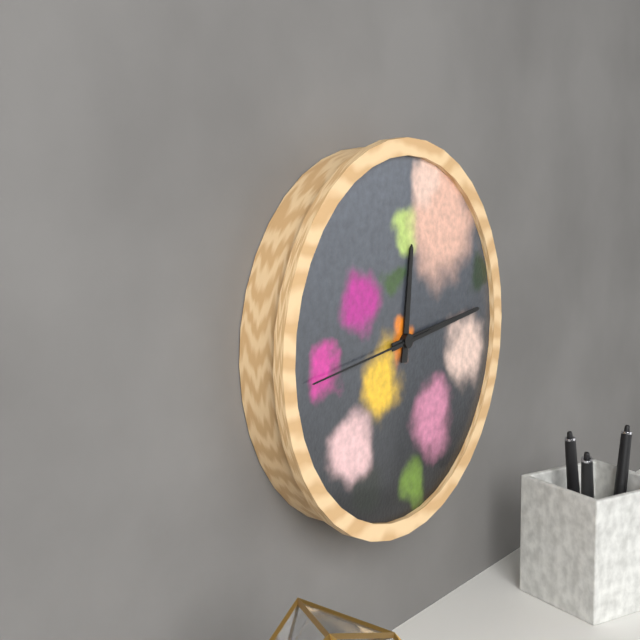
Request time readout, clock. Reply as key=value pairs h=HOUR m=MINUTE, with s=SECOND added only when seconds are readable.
h=12 m=14 s=44
